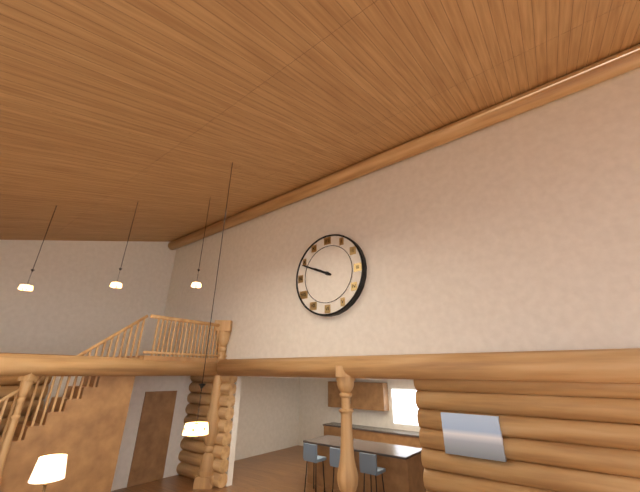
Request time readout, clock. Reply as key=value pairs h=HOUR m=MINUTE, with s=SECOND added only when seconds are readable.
h=9 m=49
